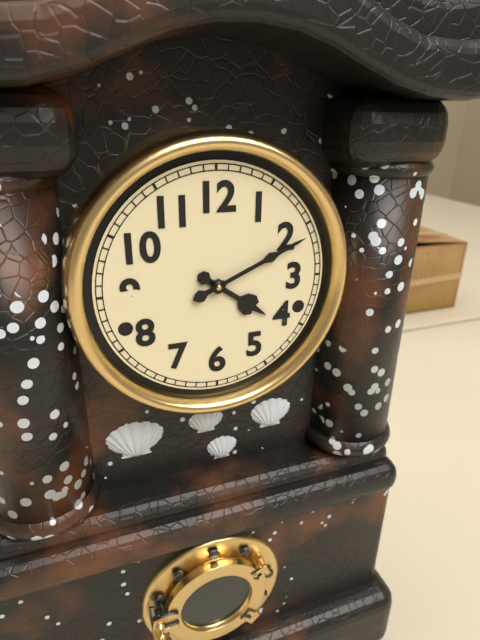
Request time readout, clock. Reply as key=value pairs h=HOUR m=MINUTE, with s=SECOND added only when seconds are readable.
h=4 m=11
